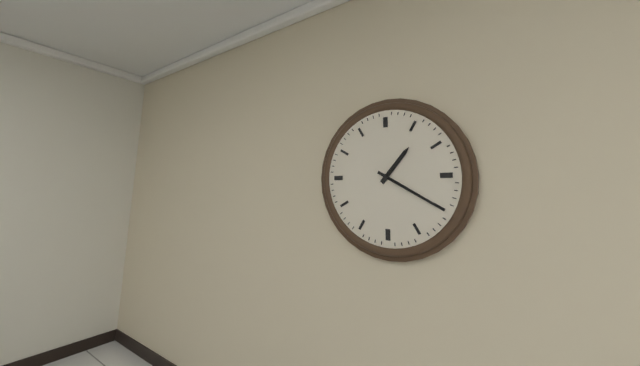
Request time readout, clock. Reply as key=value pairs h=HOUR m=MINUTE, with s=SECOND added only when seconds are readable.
h=1 m=20
